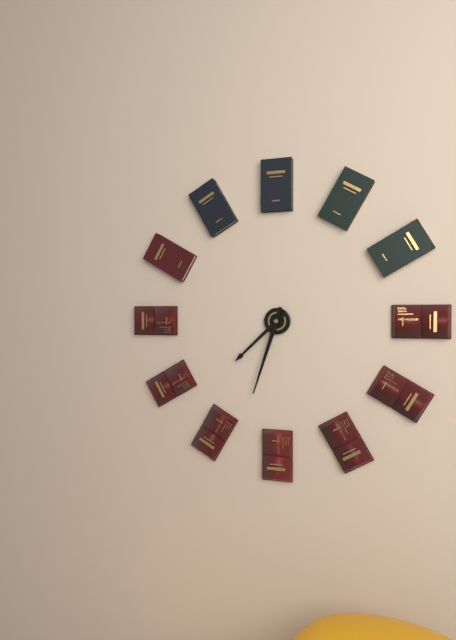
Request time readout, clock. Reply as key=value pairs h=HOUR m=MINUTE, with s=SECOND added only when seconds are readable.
h=7 m=33
